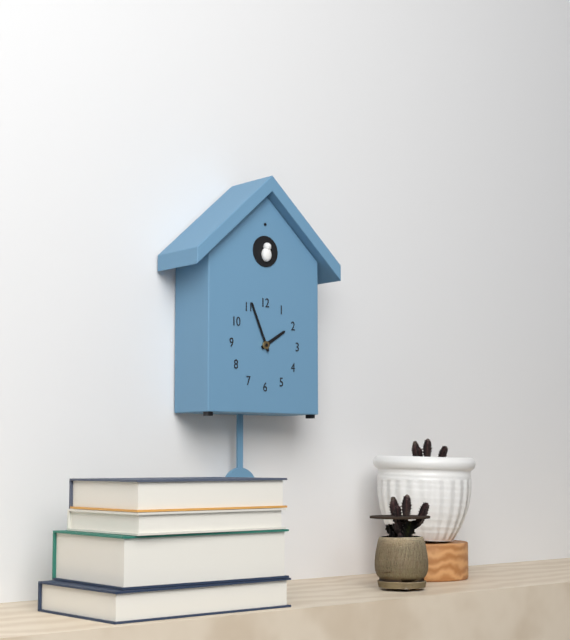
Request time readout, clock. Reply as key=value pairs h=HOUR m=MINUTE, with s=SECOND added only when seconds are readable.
h=1 m=56
